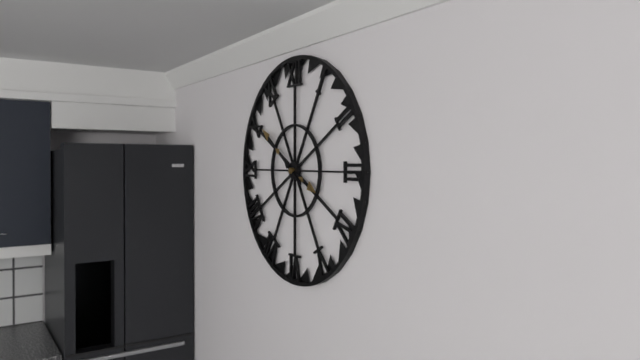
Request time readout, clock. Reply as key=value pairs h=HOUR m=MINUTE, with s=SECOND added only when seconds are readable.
h=3 m=51
